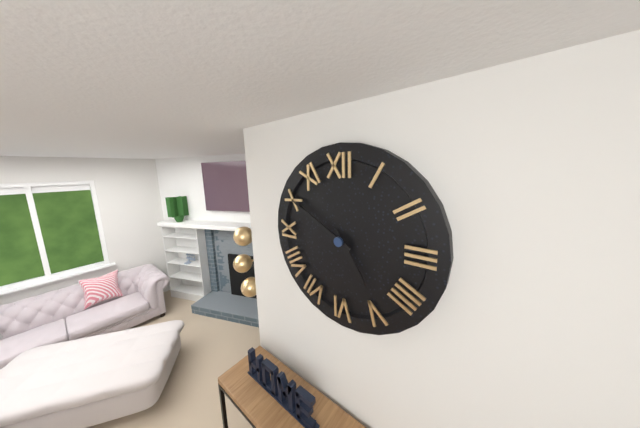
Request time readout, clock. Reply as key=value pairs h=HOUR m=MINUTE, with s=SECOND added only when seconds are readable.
h=4 m=50
